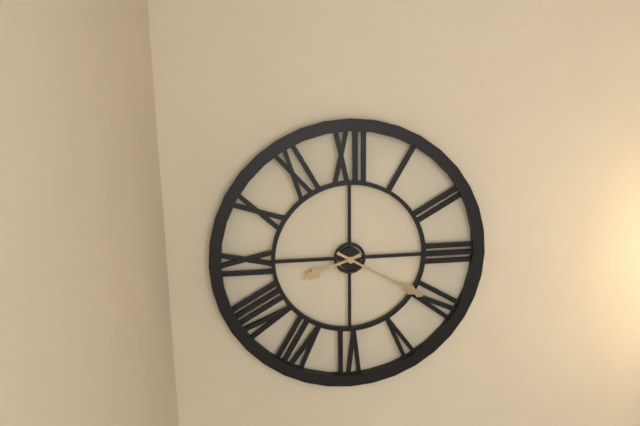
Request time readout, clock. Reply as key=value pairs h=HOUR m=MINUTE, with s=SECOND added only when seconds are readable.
h=8 m=20
